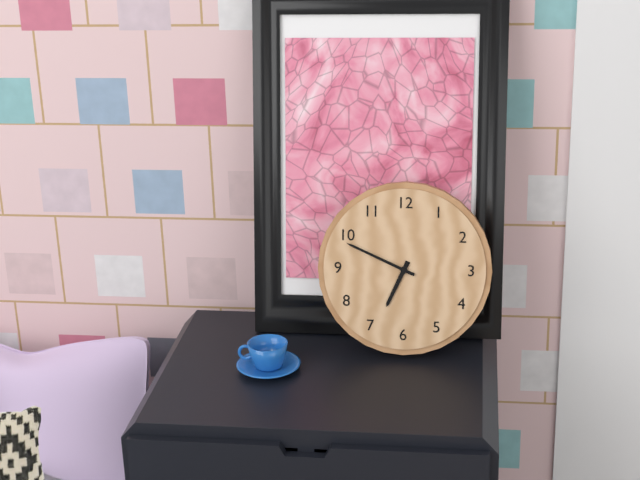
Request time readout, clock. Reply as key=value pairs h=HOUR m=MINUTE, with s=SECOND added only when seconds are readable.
h=6 m=49
